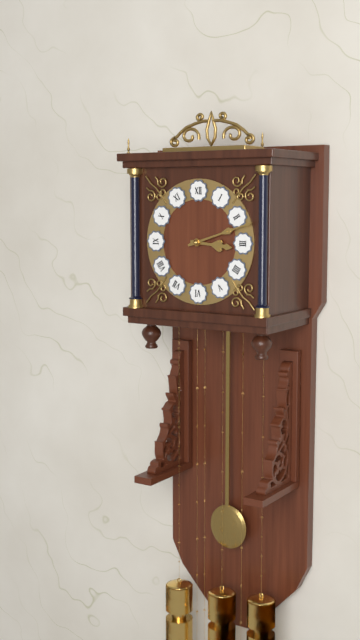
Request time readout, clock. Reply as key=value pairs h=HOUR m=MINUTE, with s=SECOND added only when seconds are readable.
h=3 m=12
